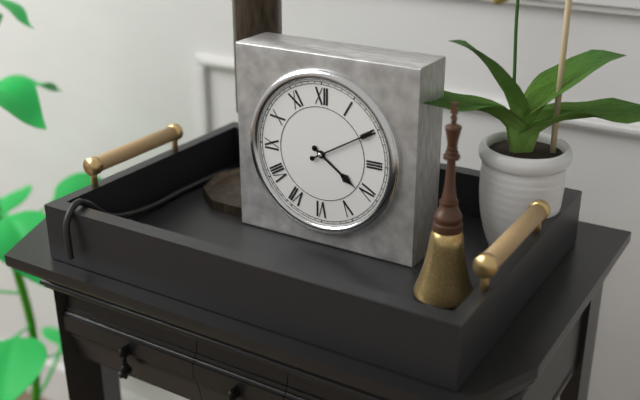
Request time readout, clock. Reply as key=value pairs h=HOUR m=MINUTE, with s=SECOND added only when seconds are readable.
h=4 m=10
